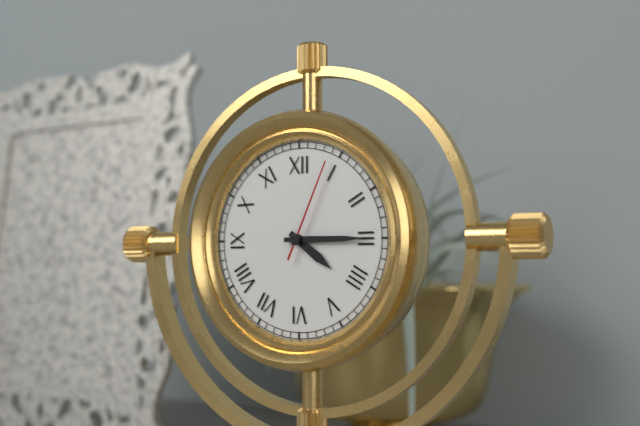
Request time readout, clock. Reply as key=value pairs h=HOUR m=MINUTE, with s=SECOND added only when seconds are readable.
h=4 m=15 s=4
